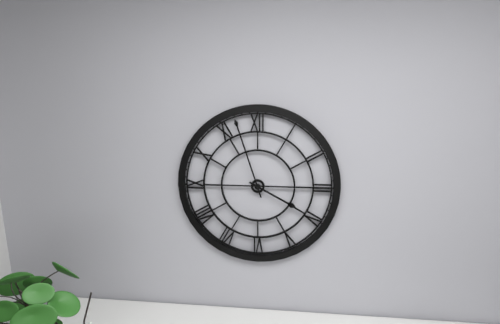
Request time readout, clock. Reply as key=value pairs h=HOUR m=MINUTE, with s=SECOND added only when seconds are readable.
h=3 m=57
